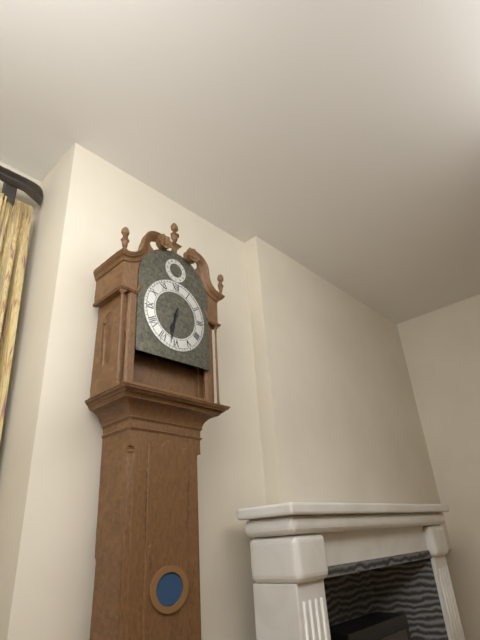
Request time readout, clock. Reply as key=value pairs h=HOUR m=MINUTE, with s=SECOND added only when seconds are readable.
h=6 m=32
